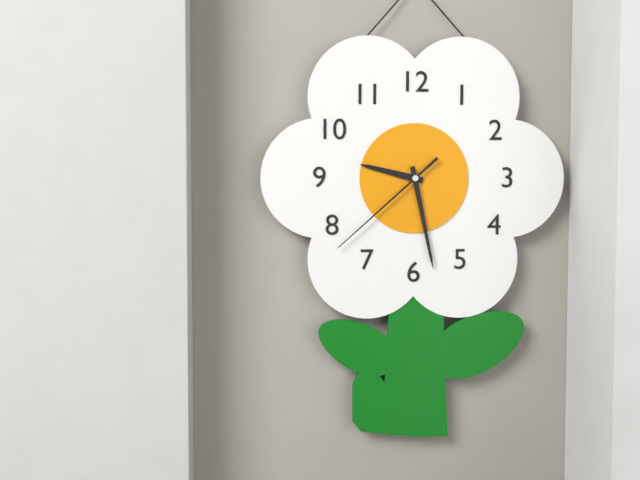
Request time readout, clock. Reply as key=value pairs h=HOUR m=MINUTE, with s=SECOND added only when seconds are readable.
h=9 m=28 s=38
